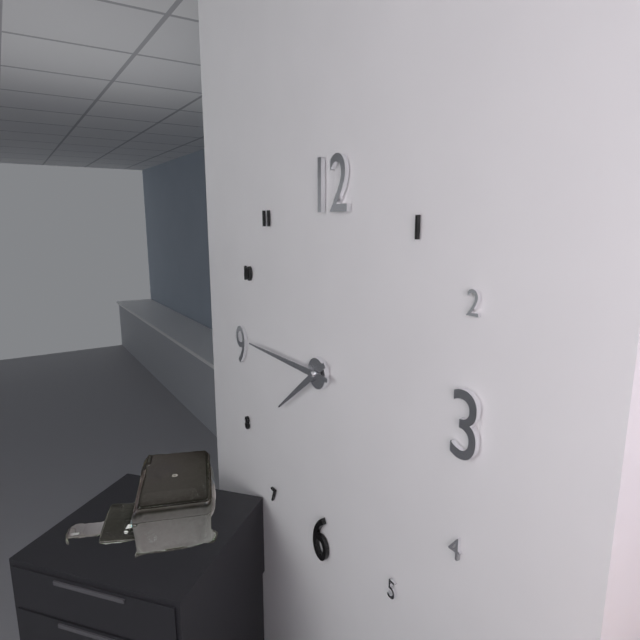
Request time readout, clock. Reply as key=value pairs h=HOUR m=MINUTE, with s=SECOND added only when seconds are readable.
h=7 m=45
